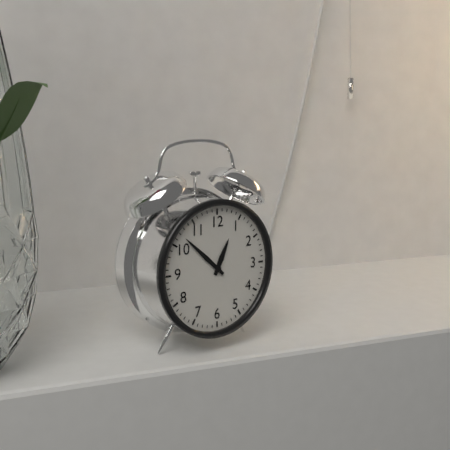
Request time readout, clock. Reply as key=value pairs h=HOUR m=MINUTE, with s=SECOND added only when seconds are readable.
h=12 m=52
